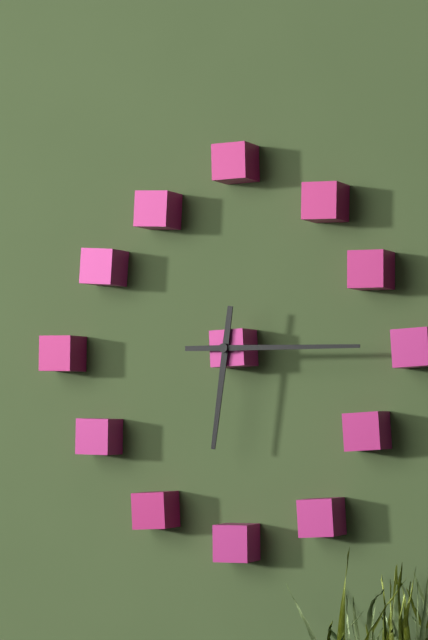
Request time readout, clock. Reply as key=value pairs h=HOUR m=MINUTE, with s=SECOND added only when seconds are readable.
h=6 m=15
